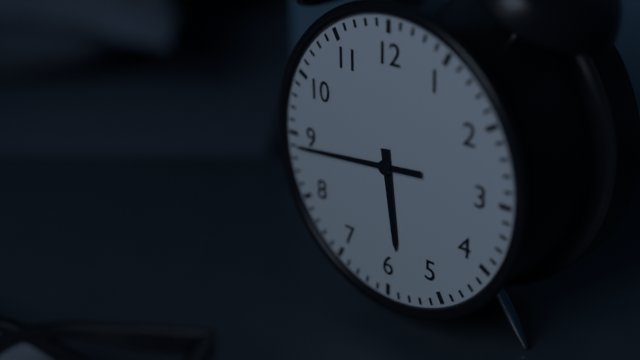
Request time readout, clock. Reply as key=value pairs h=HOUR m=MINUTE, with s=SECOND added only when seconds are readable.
h=5 m=44
